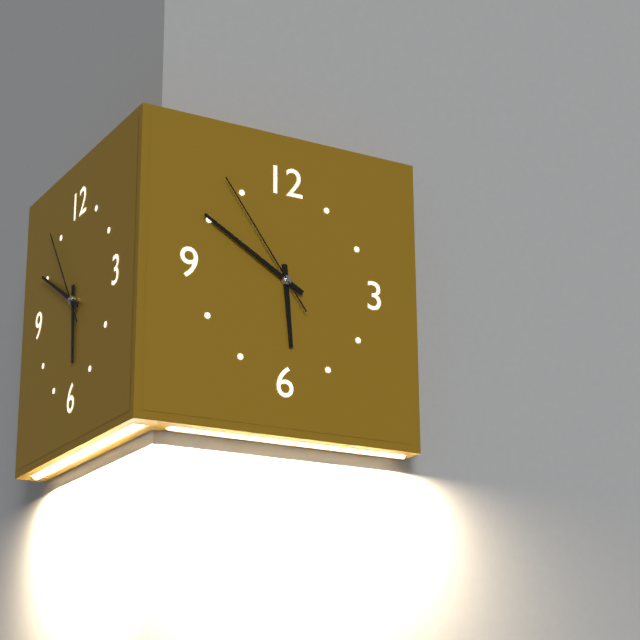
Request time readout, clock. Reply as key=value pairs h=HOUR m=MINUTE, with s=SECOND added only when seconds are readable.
h=5 m=50 s=54
